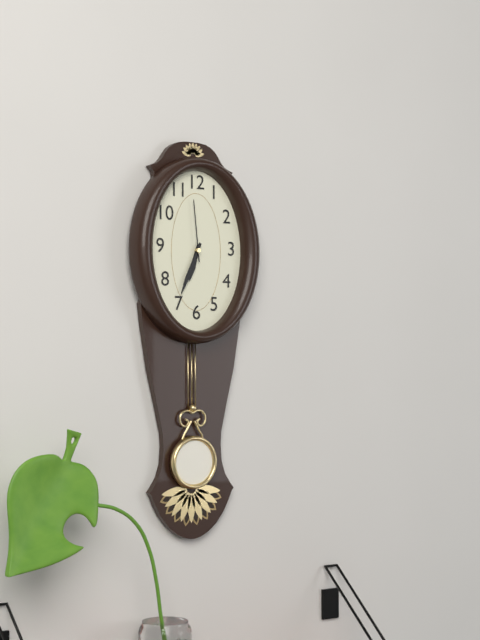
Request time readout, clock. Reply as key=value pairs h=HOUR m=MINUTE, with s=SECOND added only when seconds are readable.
h=6 m=34 s=59
